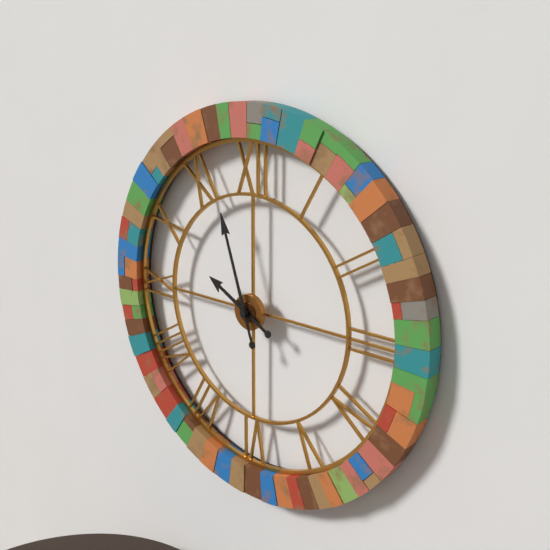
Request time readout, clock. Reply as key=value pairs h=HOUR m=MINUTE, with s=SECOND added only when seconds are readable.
h=9 m=57
